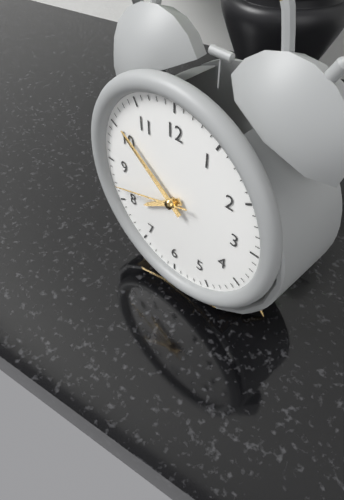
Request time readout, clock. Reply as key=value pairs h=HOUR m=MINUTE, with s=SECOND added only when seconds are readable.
h=7 m=51 s=42
